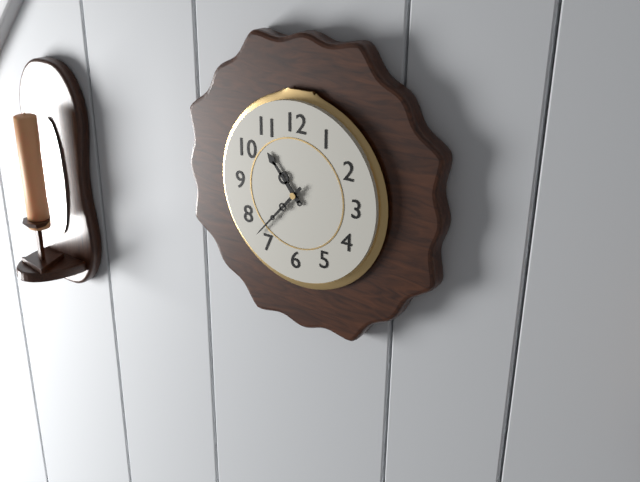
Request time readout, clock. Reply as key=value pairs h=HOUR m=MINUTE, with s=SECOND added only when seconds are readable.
h=10 m=37
